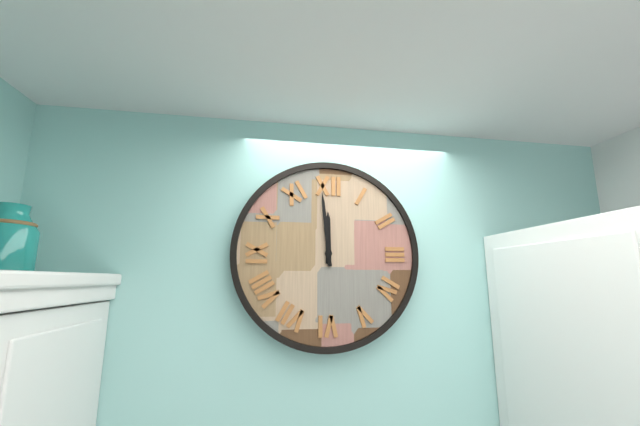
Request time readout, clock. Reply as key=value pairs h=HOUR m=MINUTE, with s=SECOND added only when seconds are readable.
h=11 m=59
